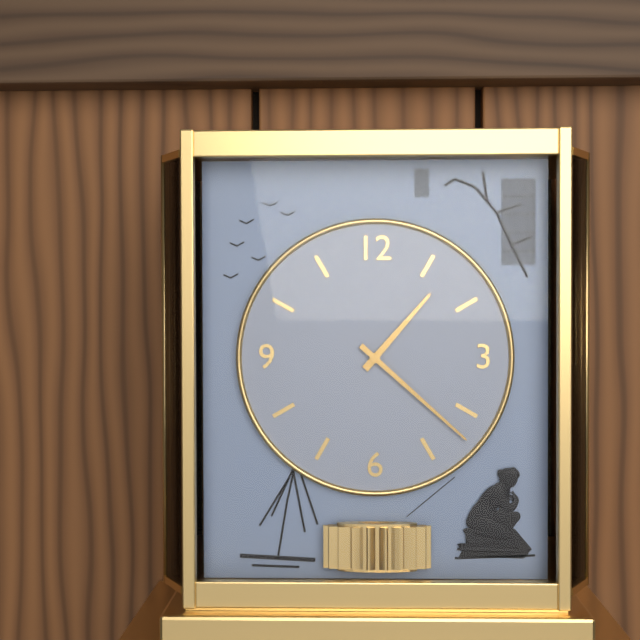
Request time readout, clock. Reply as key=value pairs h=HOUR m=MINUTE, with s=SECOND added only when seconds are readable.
h=1 m=22
